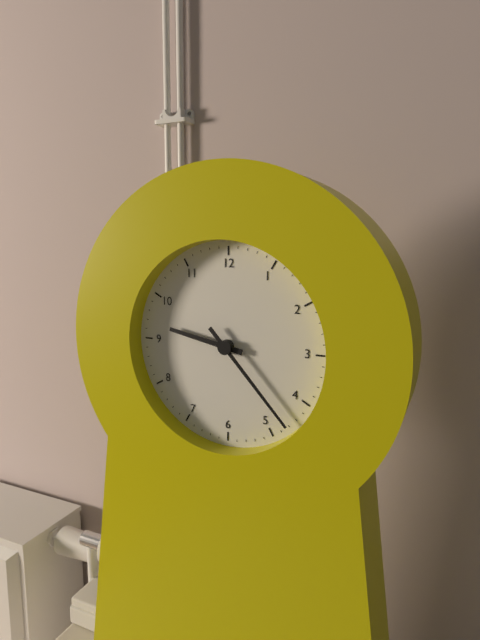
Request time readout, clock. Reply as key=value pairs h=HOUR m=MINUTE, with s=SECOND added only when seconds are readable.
h=9 m=23
